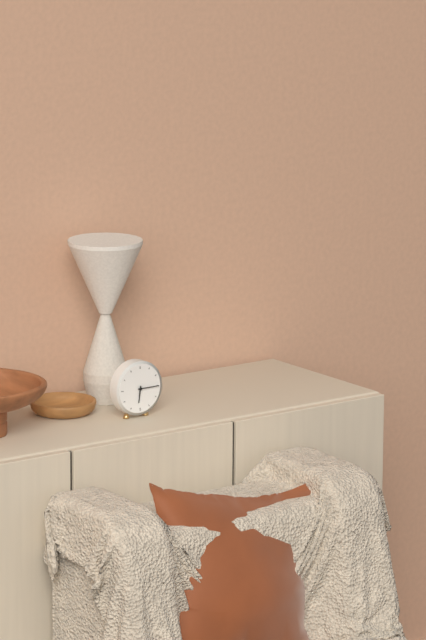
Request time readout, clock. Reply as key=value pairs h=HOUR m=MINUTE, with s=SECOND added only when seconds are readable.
h=6 m=15
